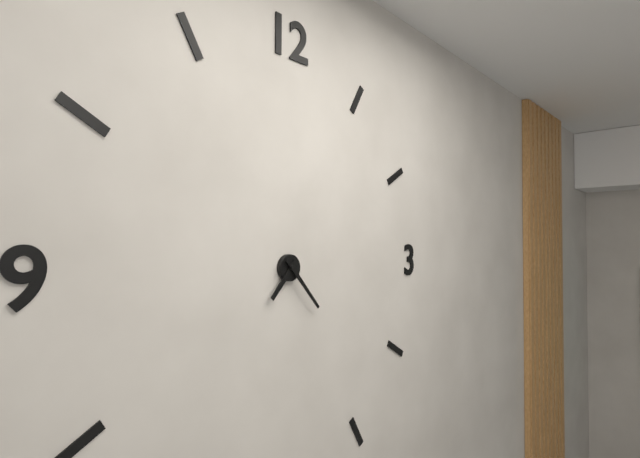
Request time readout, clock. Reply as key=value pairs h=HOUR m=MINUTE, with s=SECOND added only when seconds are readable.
h=7 m=23
